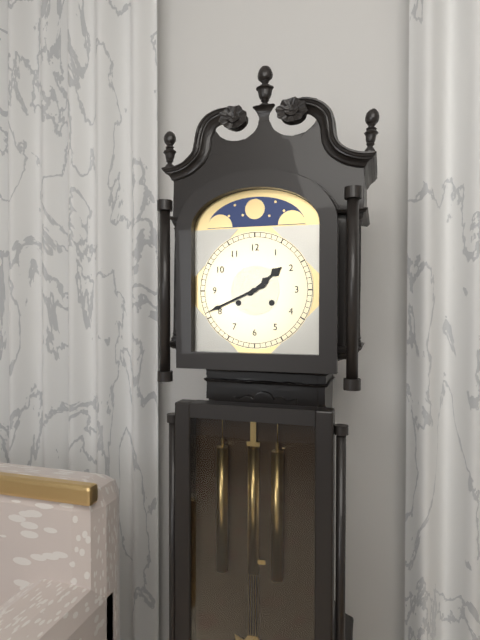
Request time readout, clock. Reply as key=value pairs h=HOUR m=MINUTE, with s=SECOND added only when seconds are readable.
h=1 m=41
